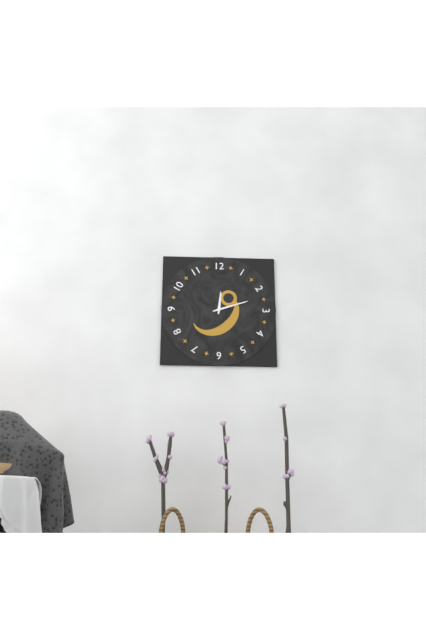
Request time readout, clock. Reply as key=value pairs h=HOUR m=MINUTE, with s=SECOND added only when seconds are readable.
h=12 m=12
